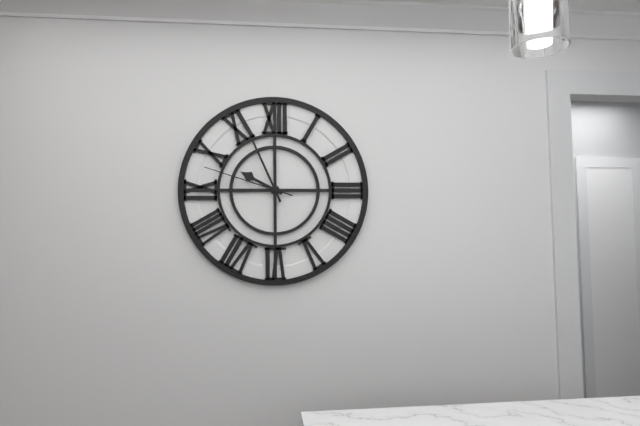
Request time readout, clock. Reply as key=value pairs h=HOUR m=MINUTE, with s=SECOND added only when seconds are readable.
h=9 m=56 s=48
